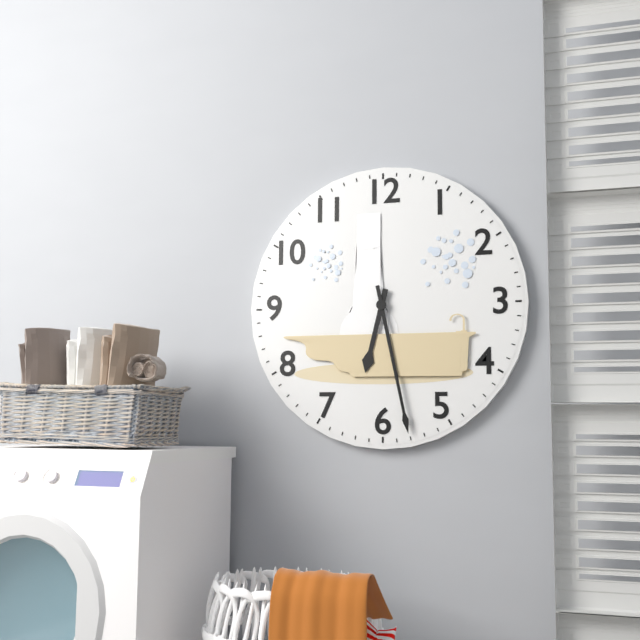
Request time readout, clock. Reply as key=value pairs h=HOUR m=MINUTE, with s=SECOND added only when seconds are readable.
h=6 m=28
